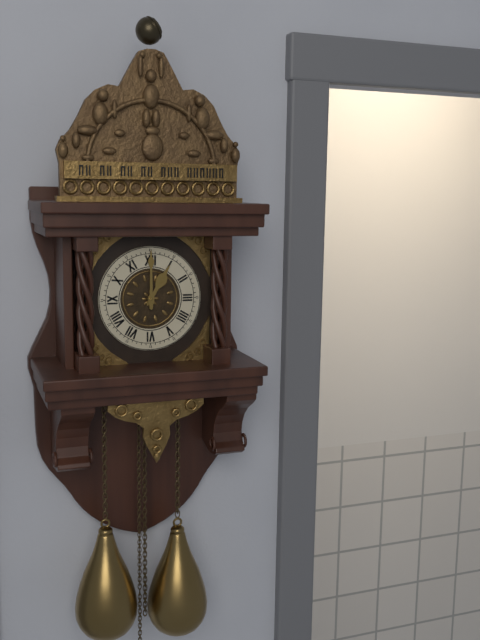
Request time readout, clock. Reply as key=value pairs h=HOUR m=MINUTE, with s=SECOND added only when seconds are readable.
h=1 m=0
